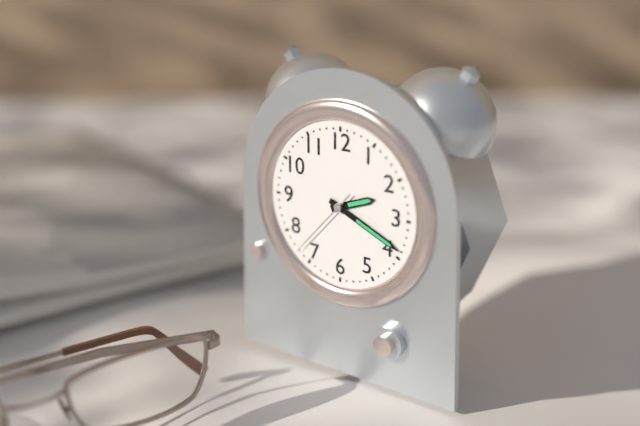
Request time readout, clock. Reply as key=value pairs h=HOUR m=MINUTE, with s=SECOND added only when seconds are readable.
h=2 m=19 s=37
